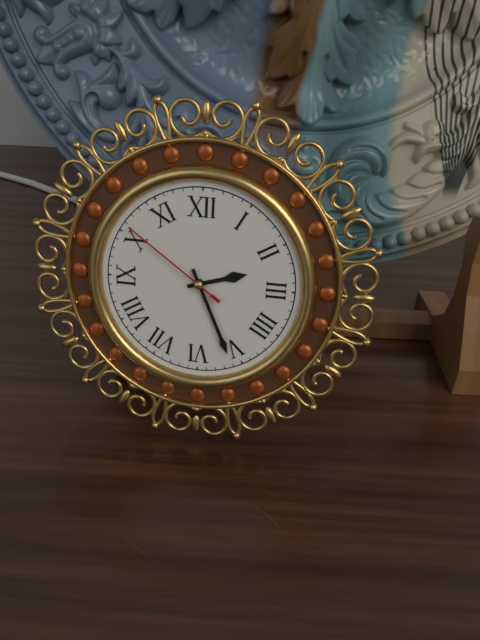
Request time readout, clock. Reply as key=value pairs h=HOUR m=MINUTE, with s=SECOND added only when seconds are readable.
h=2 m=26 s=51
